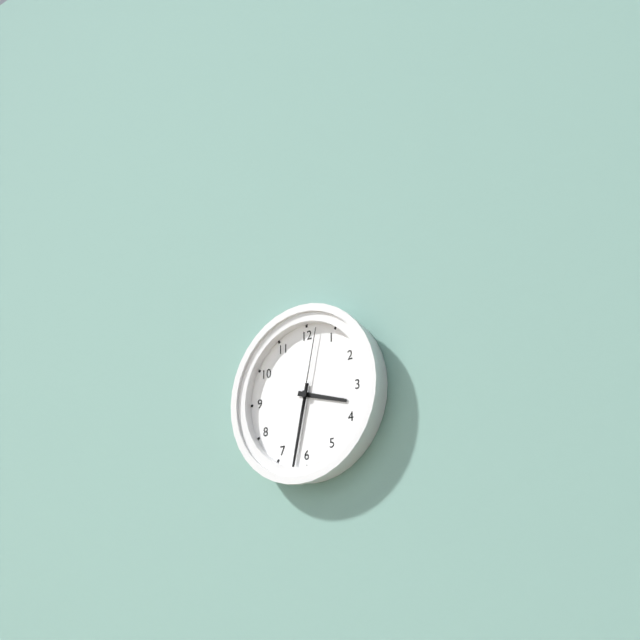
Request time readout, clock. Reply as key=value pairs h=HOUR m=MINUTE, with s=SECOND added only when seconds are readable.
h=3 m=32 s=2
